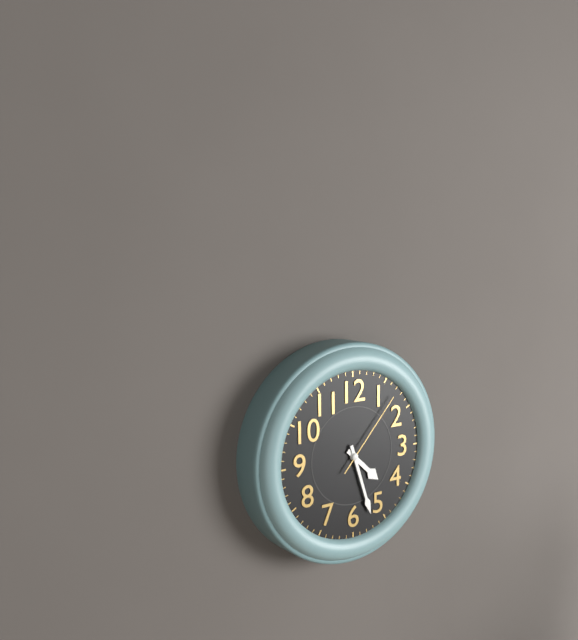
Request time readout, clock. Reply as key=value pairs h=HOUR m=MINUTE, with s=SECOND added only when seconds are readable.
h=4 m=27 s=7
